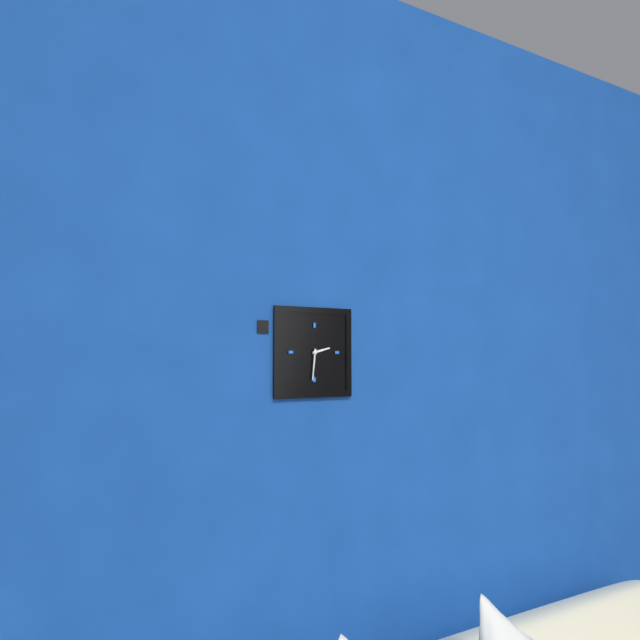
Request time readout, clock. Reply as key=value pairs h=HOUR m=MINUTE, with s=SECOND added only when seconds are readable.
h=2 m=31
